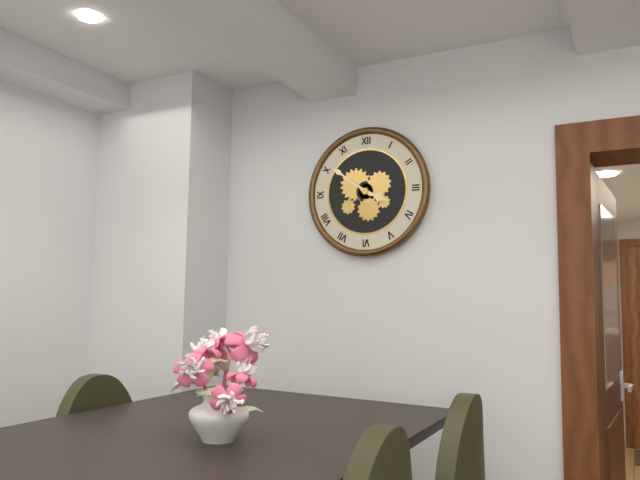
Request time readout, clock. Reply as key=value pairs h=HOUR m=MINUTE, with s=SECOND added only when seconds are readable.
h=3 m=51
